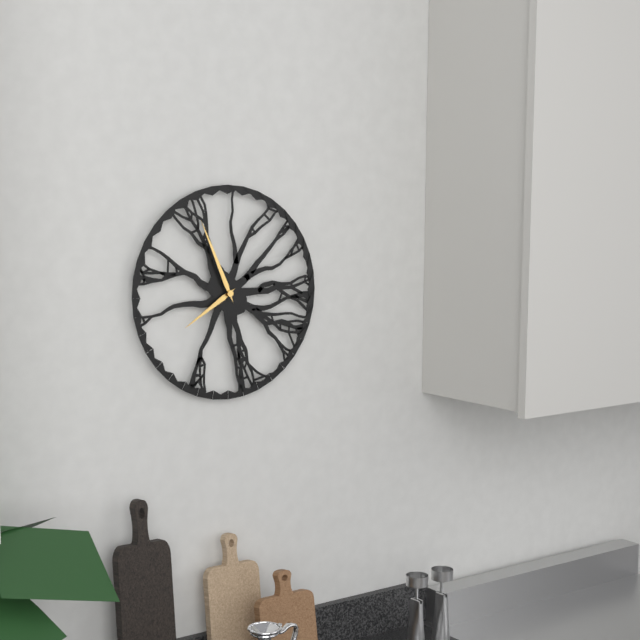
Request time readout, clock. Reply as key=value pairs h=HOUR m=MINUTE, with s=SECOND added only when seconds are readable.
h=7 m=56
